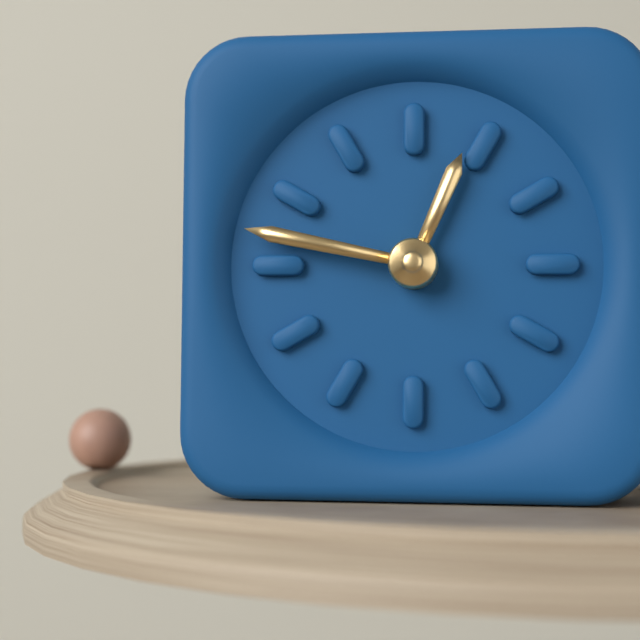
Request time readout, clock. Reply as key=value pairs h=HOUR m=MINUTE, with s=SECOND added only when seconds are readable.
h=12 m=47
